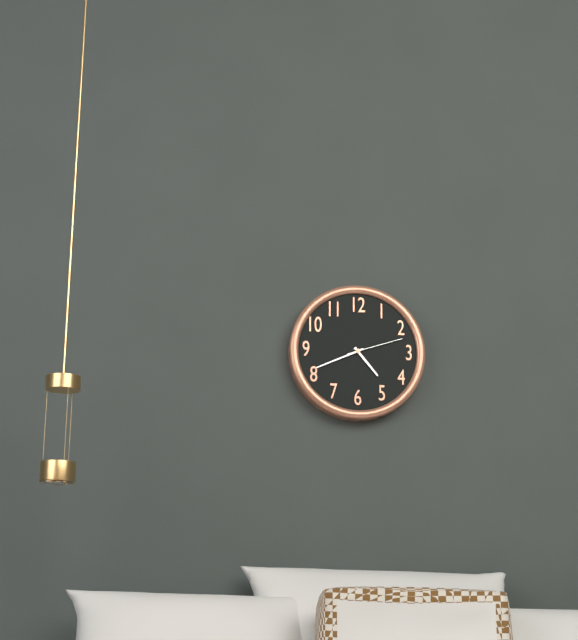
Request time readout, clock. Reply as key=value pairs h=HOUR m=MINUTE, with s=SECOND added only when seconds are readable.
h=4 m=41 s=12
